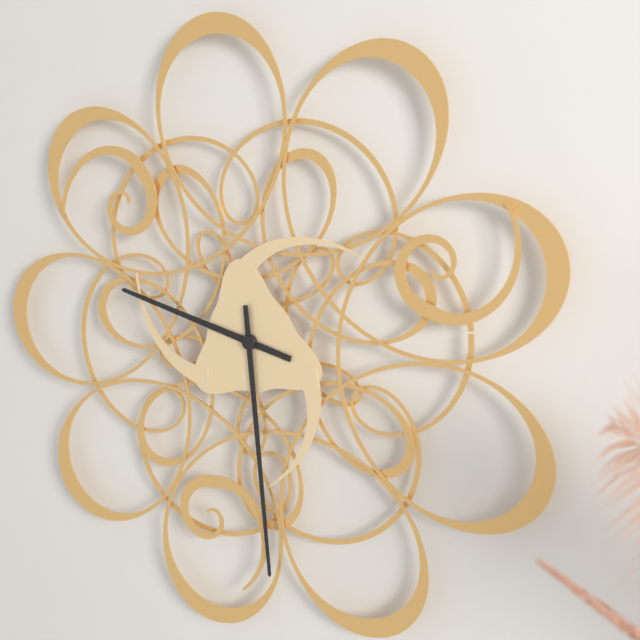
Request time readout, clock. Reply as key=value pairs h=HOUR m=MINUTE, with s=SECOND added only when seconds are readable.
h=9 m=29
